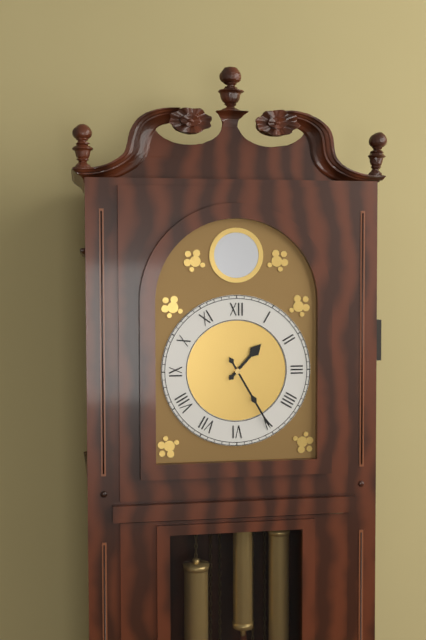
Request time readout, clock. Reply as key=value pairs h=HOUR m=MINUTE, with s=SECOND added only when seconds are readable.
h=1 m=25
